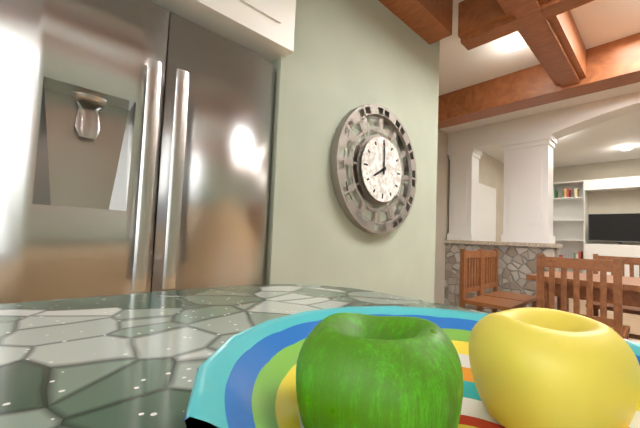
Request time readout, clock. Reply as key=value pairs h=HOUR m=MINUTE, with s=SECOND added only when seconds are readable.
h=8 m=0
